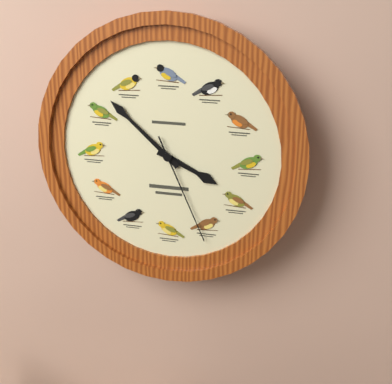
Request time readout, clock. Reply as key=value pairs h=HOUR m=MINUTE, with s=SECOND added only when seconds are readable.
h=3 m=52 s=26
